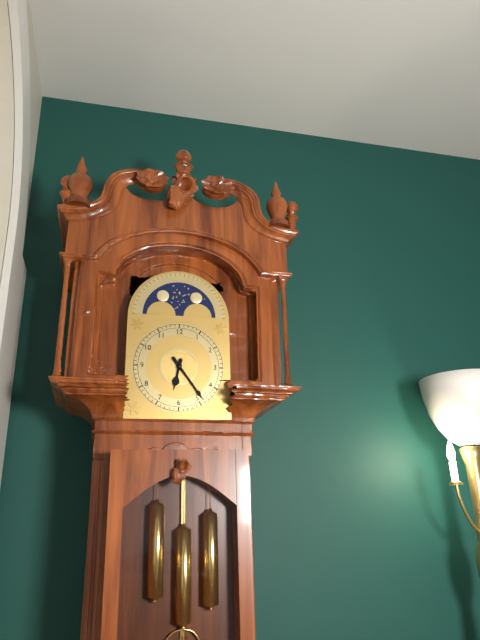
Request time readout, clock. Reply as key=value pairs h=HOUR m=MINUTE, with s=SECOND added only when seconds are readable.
h=6 m=24
